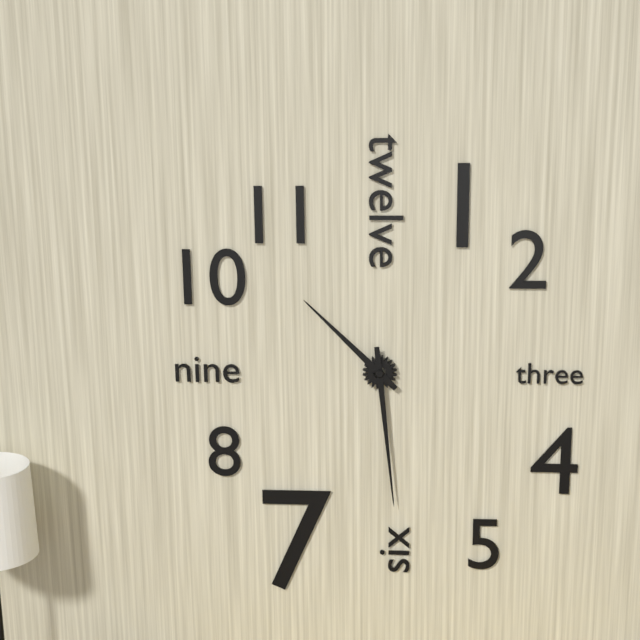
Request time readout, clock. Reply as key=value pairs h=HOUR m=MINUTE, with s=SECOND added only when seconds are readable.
h=10 m=29
